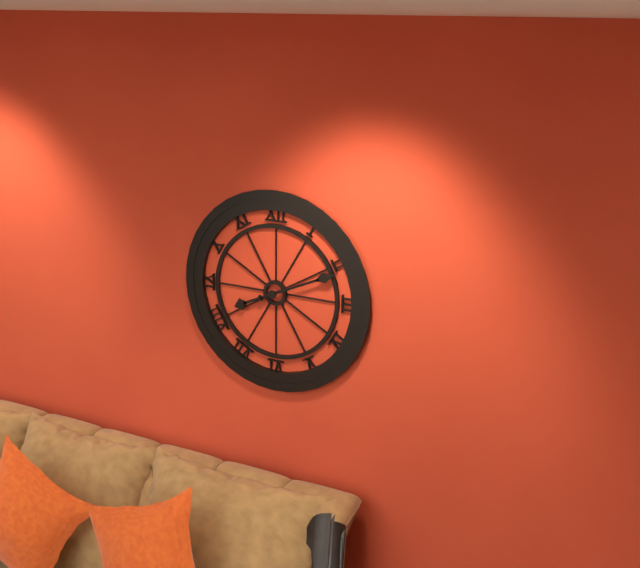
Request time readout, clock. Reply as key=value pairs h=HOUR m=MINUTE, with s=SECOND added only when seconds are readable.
h=8 m=11
